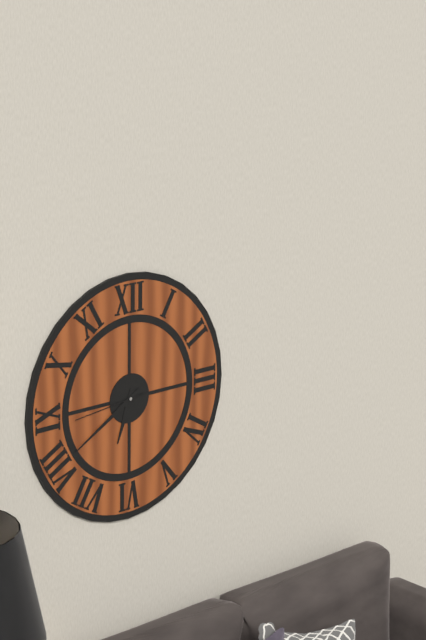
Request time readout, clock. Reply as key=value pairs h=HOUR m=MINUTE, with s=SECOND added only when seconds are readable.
h=6 m=40 s=44
